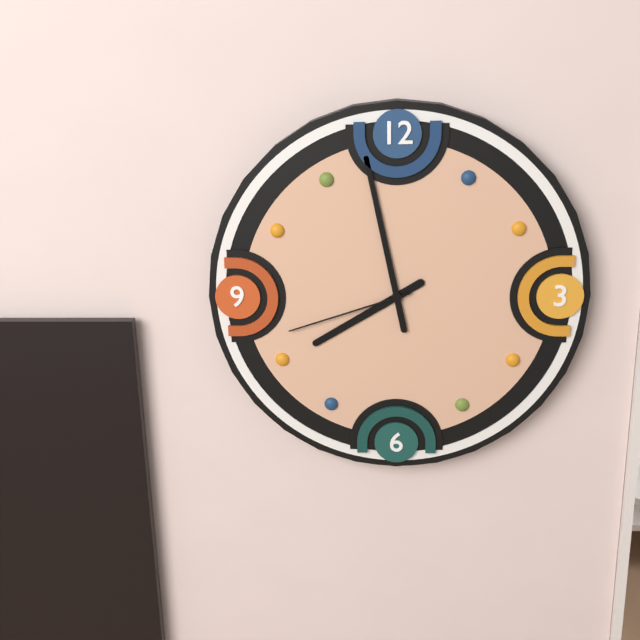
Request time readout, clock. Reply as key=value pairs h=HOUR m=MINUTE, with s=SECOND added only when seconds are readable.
h=7 m=58 s=42
